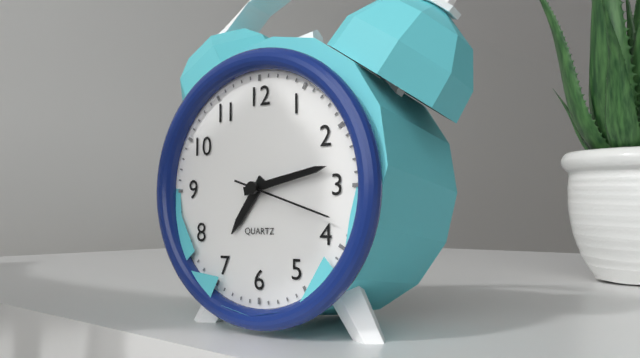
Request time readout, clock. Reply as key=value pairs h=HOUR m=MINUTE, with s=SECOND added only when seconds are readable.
h=7 m=13 s=18
